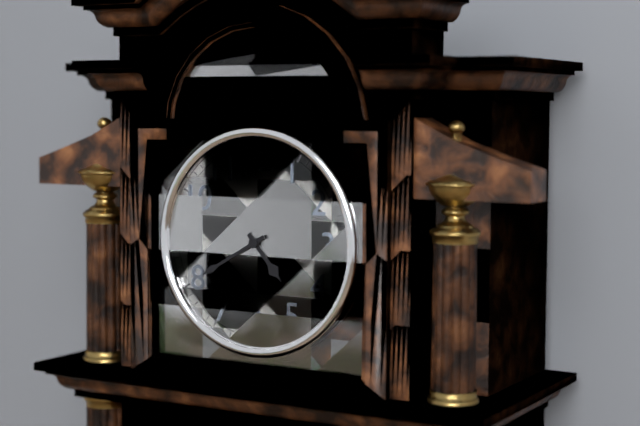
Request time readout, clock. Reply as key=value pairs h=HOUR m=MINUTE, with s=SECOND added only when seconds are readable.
h=4 m=40
